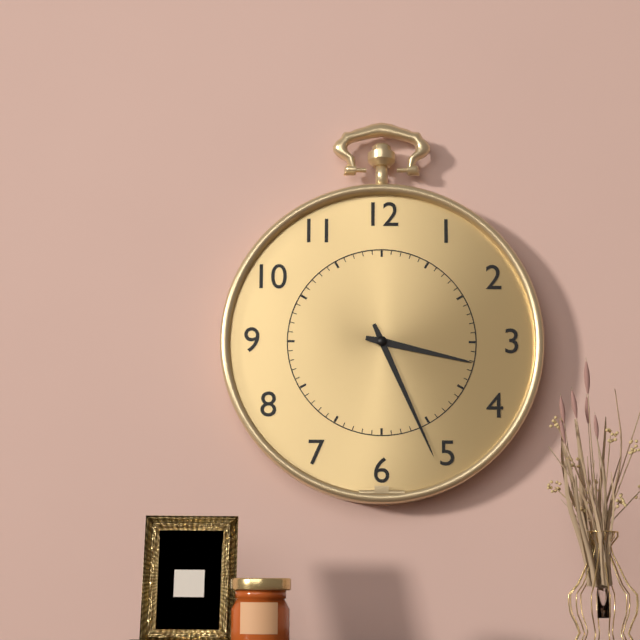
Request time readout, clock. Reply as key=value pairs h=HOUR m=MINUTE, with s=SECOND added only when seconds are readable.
h=3 m=26
